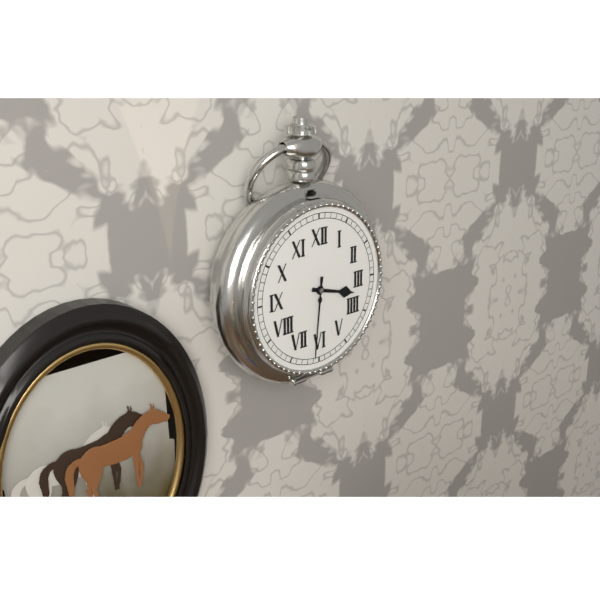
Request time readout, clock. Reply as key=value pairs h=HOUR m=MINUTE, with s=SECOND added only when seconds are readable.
h=3 m=31
